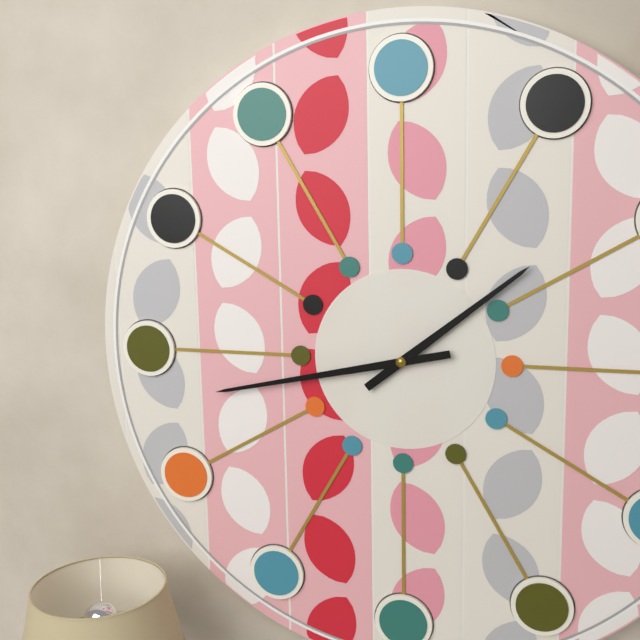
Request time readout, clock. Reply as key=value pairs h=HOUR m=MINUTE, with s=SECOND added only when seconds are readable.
h=1 m=43
